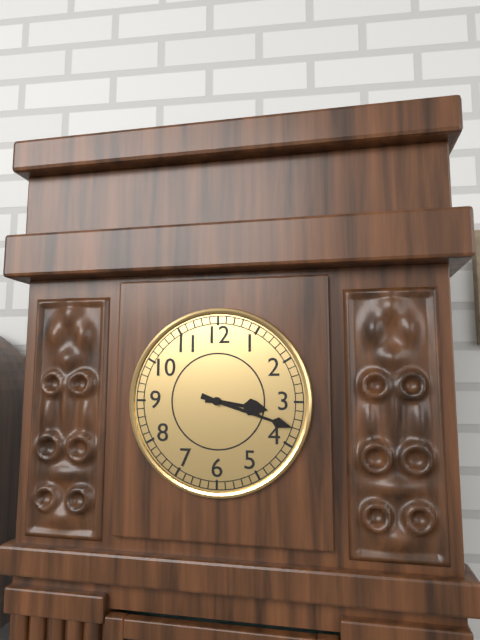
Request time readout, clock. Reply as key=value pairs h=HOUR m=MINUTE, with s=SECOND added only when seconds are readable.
h=3 m=18
